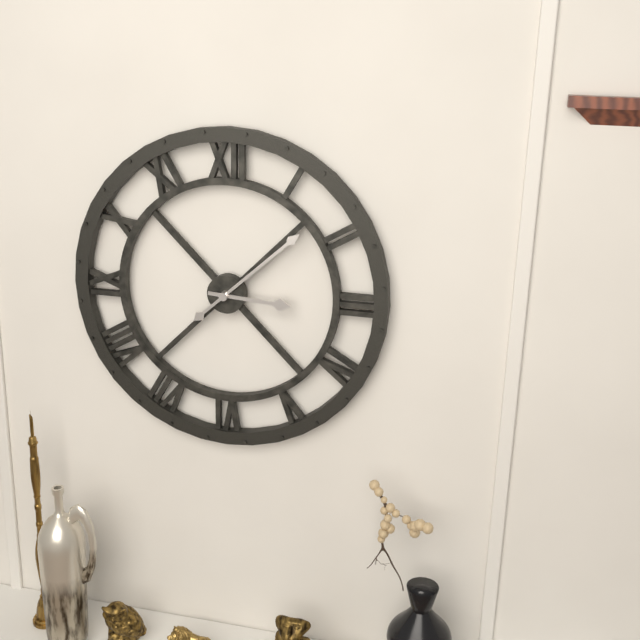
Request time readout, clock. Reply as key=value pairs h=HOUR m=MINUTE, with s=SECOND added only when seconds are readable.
h=3 m=8
